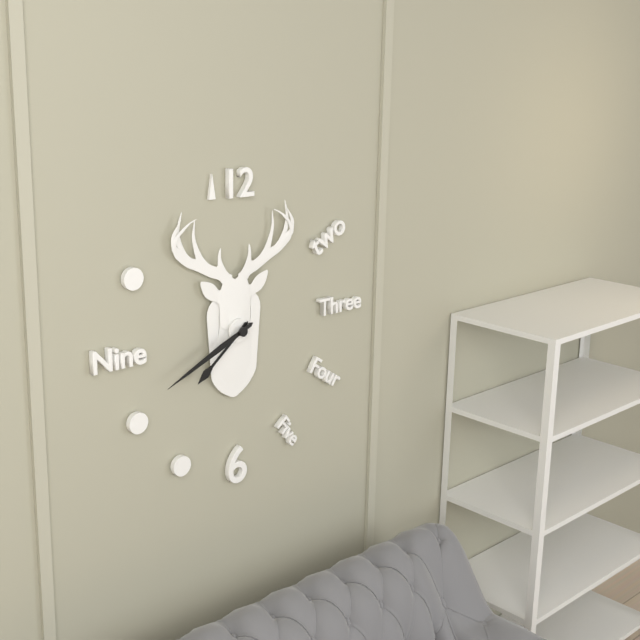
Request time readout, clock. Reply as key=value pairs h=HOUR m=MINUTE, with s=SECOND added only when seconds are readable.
h=7 m=41
